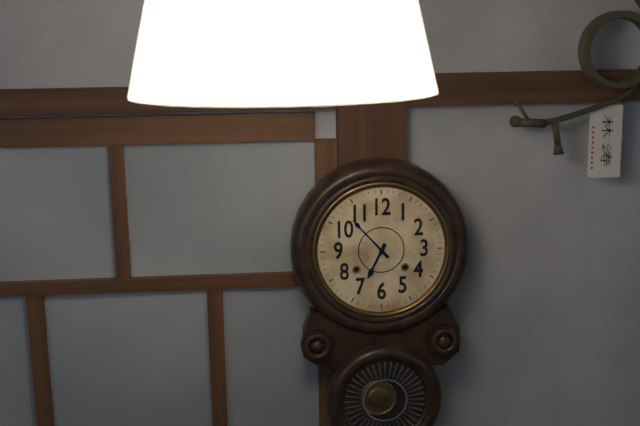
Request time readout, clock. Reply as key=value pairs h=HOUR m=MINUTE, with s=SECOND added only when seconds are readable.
h=6 m=53
